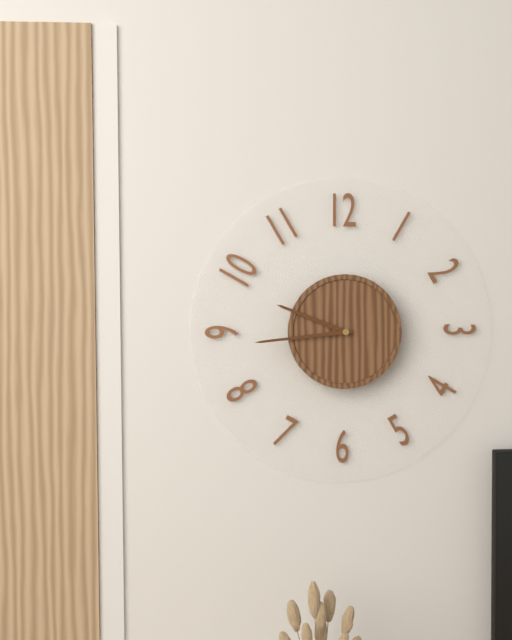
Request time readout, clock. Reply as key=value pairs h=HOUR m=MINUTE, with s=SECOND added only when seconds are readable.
h=9 m=44
